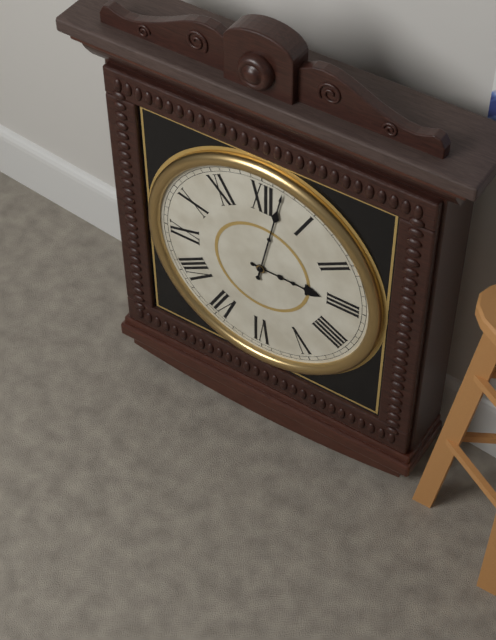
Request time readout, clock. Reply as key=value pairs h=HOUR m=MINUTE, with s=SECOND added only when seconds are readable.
h=3 m=2
